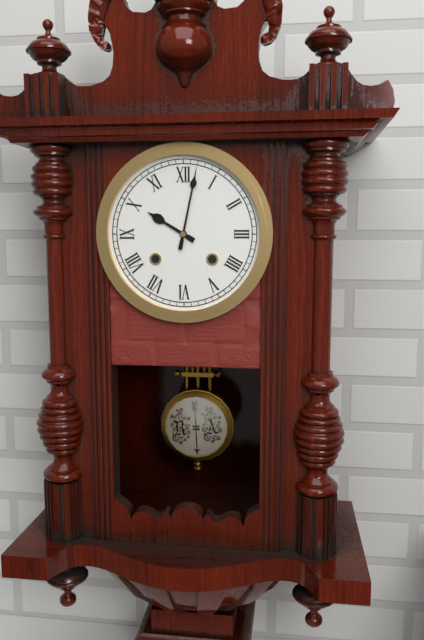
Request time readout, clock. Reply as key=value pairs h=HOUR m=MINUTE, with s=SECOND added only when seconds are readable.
h=10 m=2
